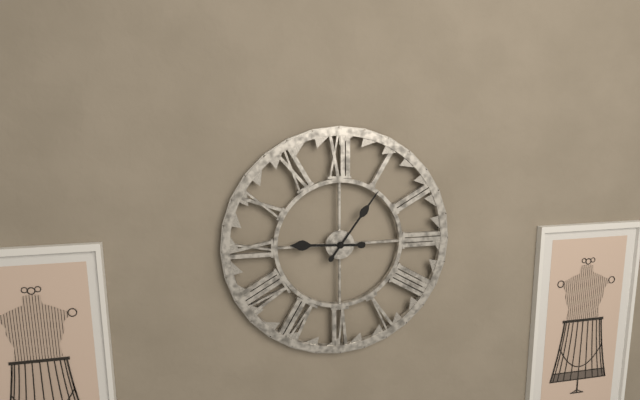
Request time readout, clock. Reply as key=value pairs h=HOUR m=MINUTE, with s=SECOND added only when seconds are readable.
h=9 m=6
